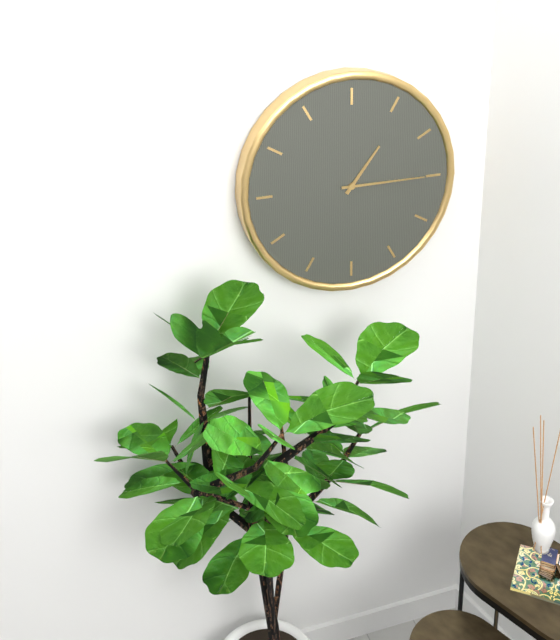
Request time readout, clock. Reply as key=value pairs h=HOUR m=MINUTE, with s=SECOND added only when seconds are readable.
h=1 m=15
